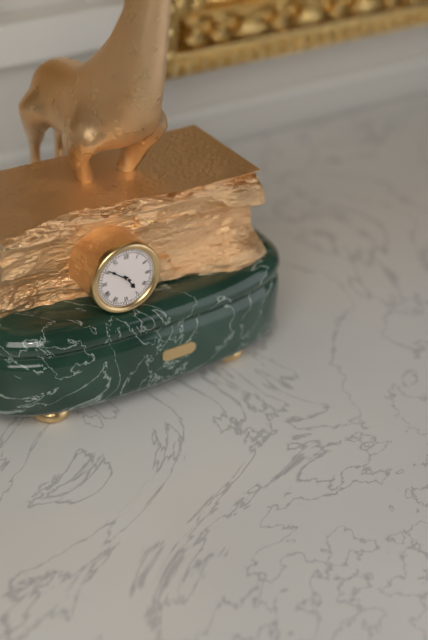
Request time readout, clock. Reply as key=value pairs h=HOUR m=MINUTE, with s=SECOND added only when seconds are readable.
h=4 m=51
